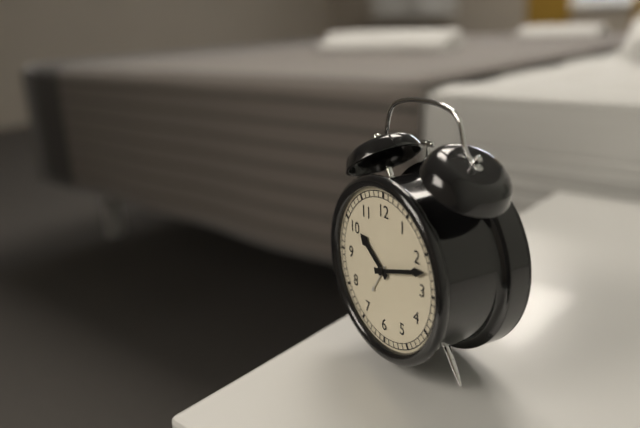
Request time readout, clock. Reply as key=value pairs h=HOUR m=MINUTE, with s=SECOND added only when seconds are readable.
h=10 m=12
